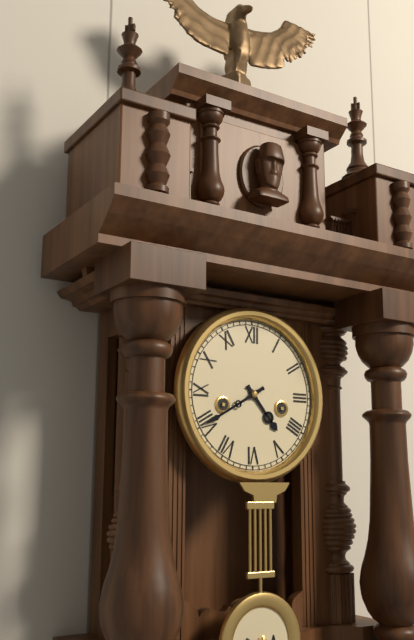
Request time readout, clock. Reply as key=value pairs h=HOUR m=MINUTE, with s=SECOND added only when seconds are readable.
h=4 m=40
